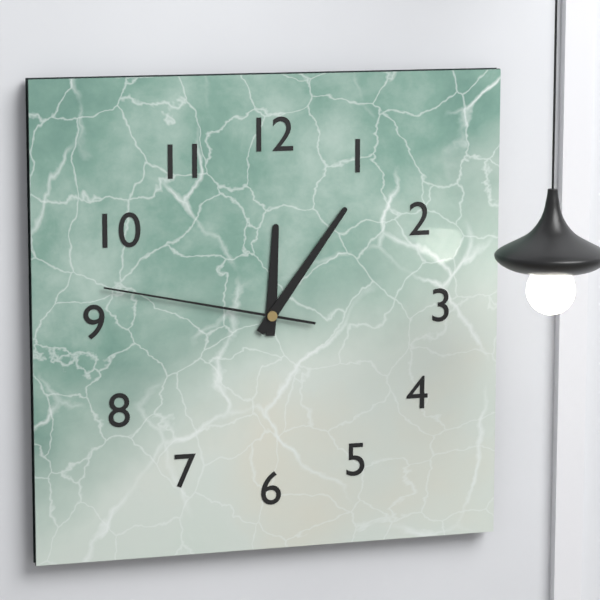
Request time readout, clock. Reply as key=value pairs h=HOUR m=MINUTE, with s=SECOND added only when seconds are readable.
h=12 m=6 s=47
